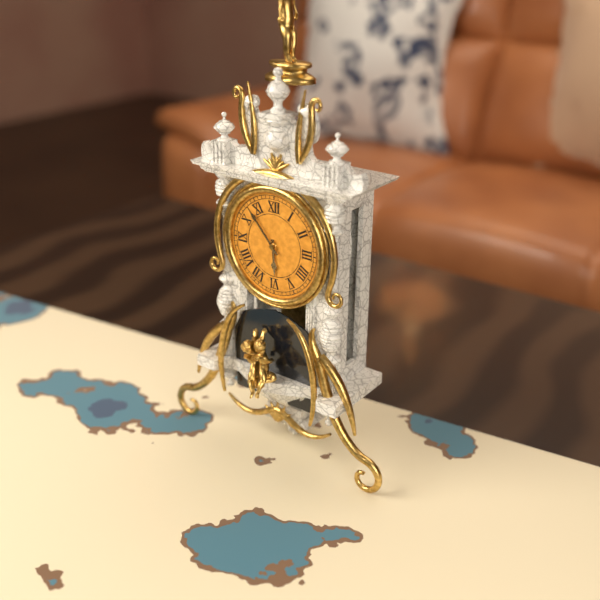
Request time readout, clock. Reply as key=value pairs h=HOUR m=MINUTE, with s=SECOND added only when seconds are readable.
h=5 m=53
